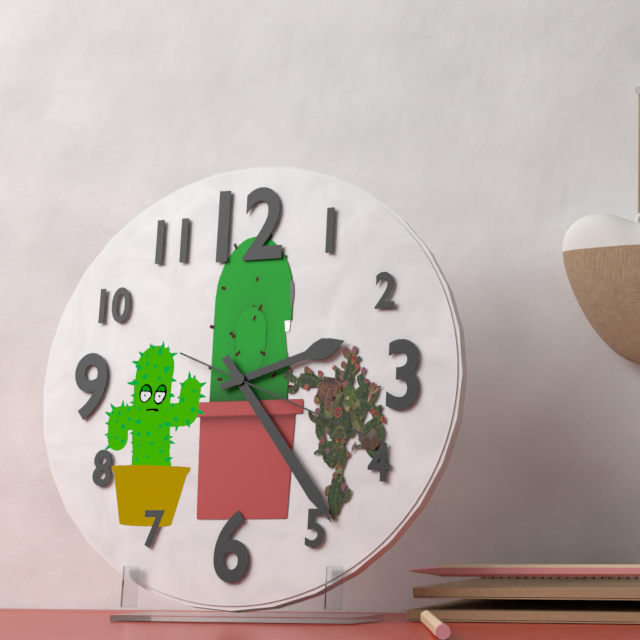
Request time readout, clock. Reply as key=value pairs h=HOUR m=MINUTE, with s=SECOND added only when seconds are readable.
h=2 m=24 s=19
